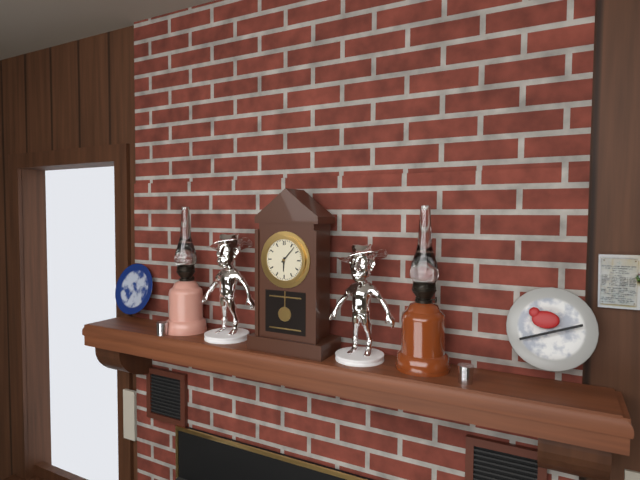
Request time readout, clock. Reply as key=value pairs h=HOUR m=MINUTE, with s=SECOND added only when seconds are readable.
h=6 m=7
